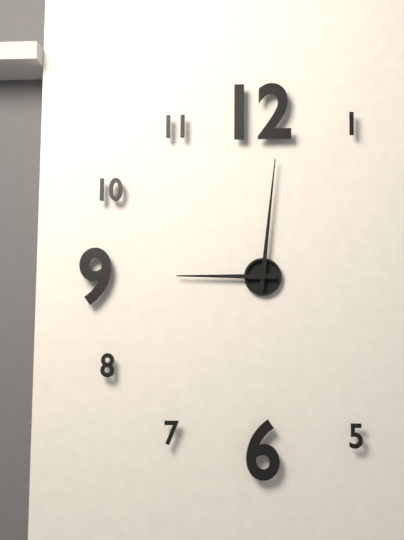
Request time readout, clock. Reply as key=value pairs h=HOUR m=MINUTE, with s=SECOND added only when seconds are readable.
h=9 m=1
